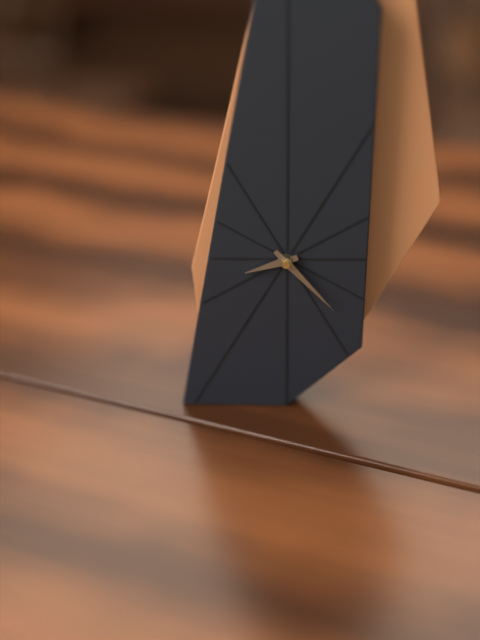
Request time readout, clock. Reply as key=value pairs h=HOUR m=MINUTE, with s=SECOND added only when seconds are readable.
h=8 m=23
